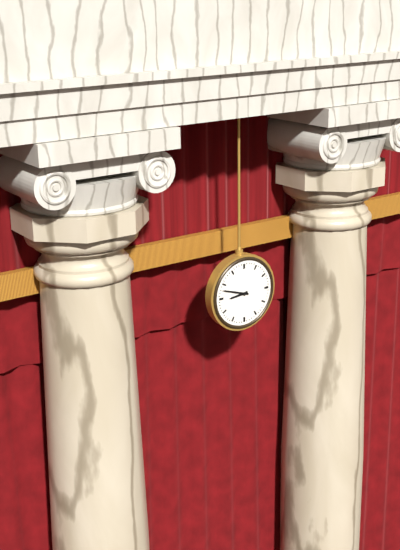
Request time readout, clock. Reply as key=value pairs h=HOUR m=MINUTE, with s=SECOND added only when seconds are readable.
h=8 m=48
